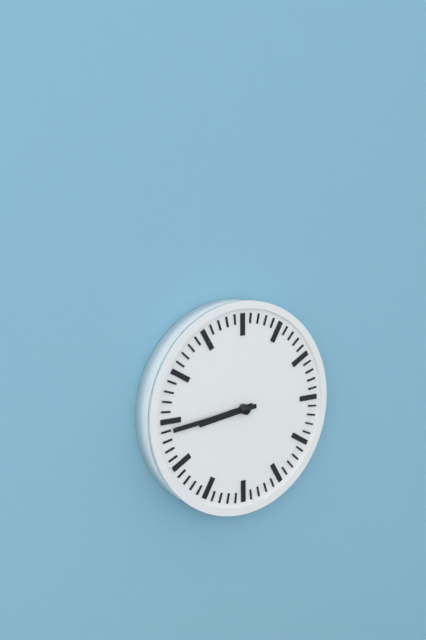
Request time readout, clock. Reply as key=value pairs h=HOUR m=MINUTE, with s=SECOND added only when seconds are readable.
h=8 m=44
